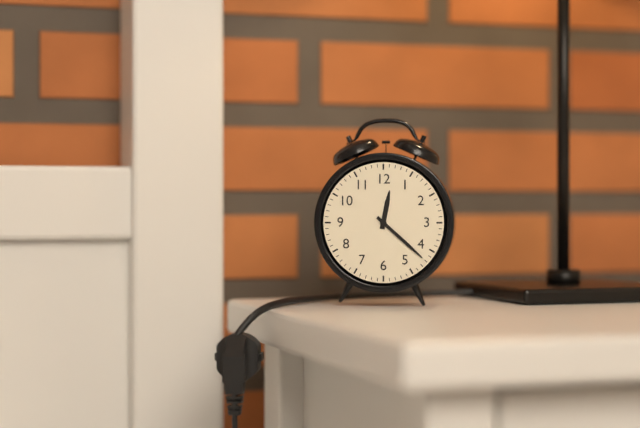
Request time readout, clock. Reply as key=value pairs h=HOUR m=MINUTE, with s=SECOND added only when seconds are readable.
h=12 m=22
